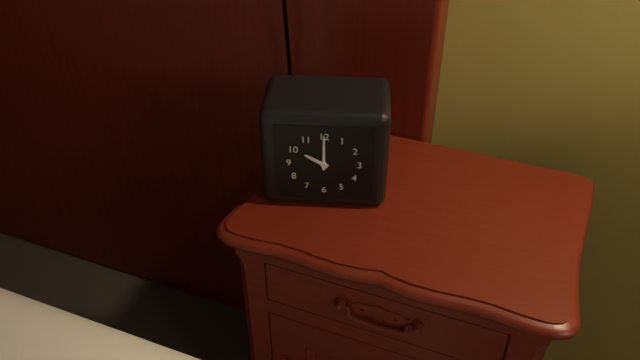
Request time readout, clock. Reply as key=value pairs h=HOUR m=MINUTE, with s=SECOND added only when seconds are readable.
h=10 m=0
